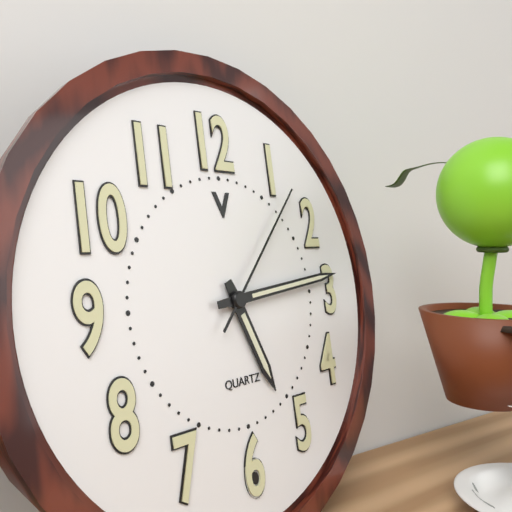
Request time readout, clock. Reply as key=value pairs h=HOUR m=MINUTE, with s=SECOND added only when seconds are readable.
h=5 m=14 s=7
